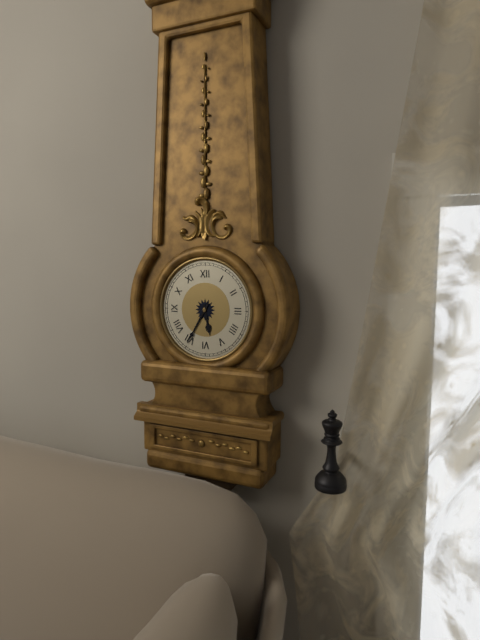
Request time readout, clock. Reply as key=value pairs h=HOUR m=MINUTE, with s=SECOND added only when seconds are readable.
h=5 m=35
